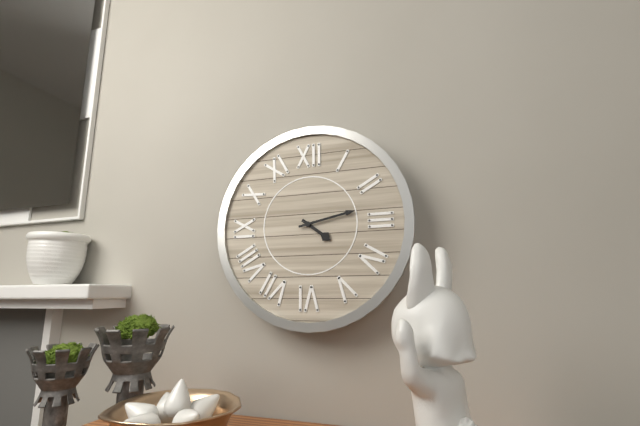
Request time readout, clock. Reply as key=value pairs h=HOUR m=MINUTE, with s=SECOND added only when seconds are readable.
h=4 m=13
